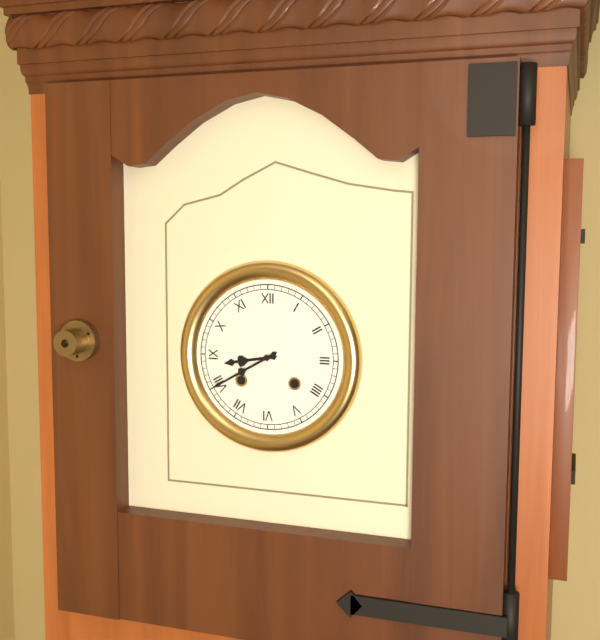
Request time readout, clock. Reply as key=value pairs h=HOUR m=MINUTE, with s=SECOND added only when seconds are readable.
h=8 m=40
